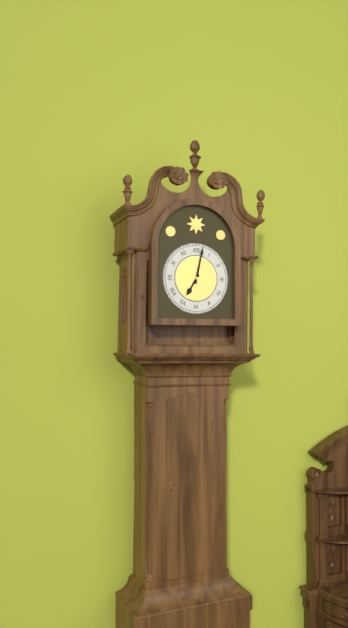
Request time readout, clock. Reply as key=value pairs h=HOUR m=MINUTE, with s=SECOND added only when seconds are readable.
h=7 m=2
